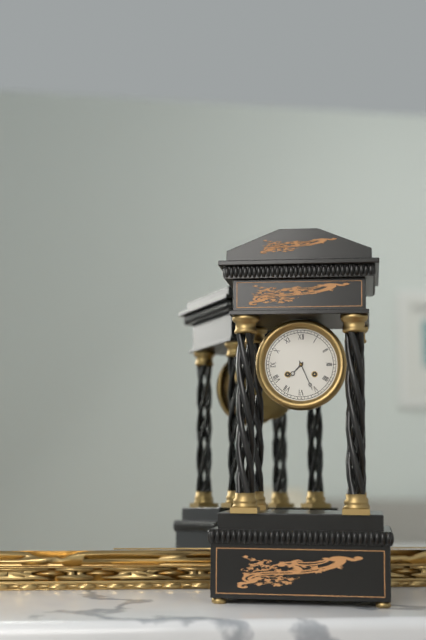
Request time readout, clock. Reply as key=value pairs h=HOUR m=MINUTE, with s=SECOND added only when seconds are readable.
h=7 m=26
